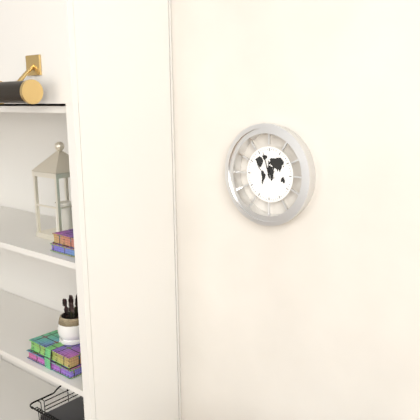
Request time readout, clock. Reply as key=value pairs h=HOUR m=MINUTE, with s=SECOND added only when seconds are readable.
h=11 m=57
